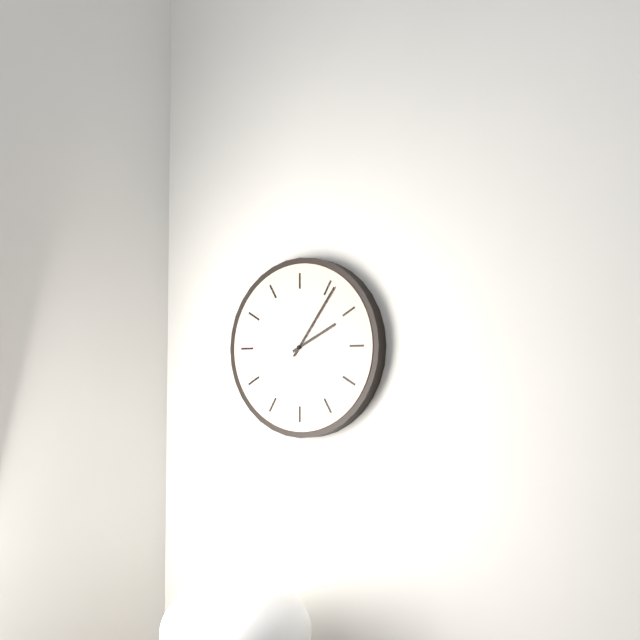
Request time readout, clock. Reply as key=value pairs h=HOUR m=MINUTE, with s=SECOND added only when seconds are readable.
h=2 m=6
